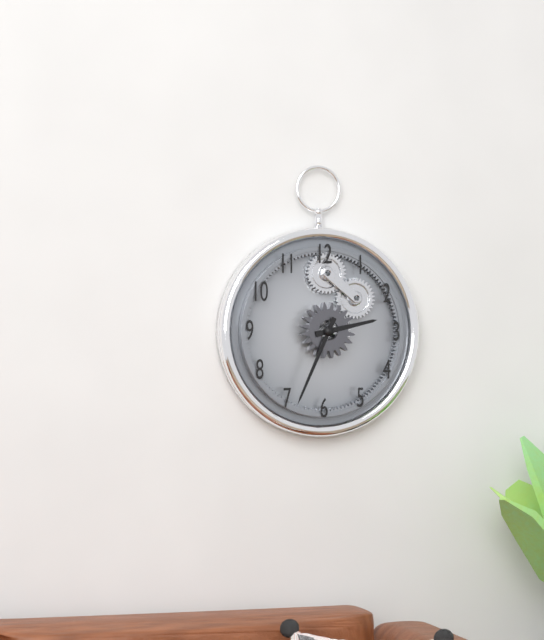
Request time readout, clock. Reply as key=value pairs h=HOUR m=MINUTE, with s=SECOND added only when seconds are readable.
h=2 m=34
